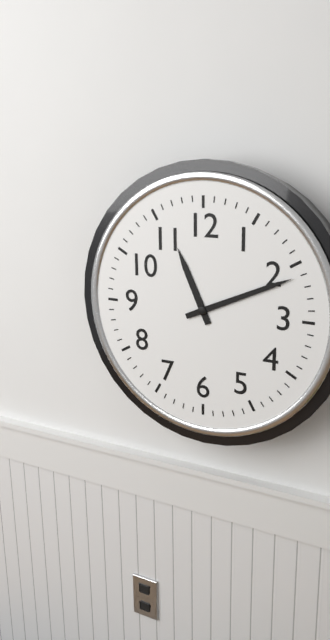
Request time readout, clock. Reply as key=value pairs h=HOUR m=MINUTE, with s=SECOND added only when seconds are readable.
h=11 m=11
